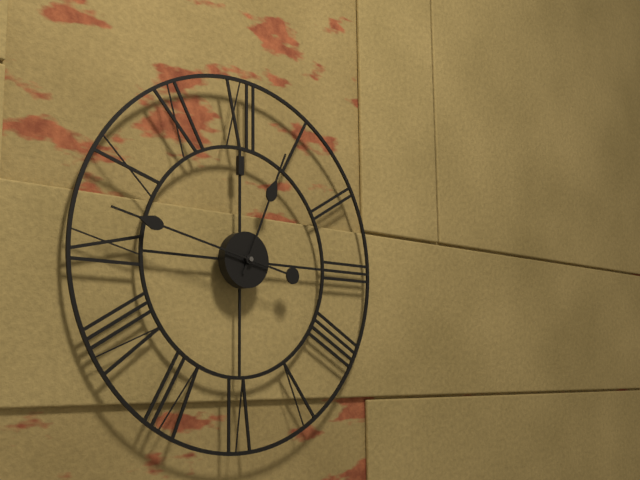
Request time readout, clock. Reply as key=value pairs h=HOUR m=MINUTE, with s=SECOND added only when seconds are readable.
h=12 m=47
